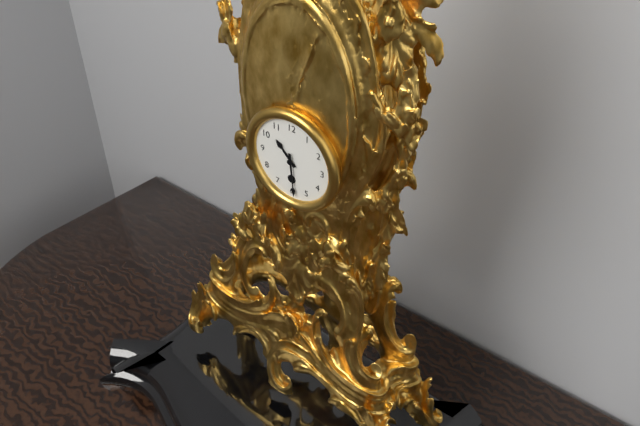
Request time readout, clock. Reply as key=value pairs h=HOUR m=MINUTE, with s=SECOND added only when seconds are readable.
h=10 m=29
